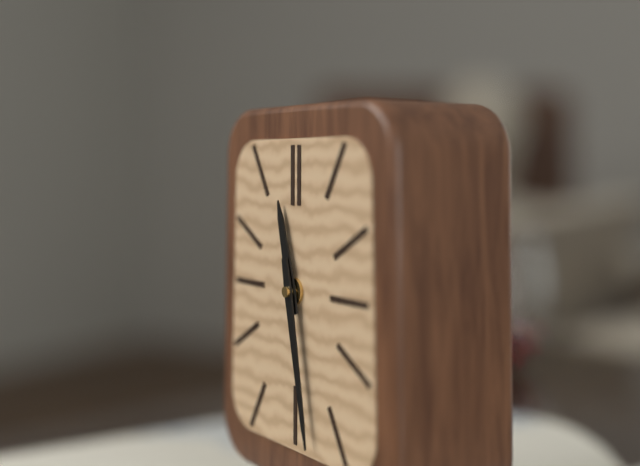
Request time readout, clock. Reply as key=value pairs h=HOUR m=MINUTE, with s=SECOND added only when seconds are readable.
h=11 m=28
